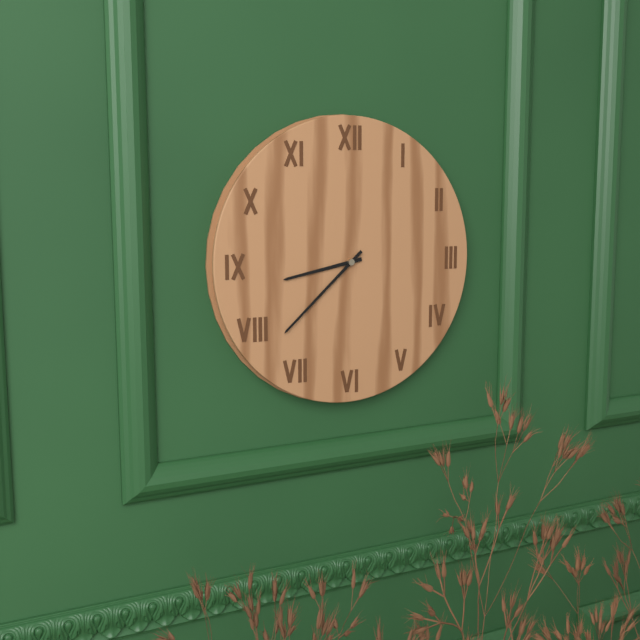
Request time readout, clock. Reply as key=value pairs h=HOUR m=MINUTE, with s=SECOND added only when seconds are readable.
h=8 m=38
